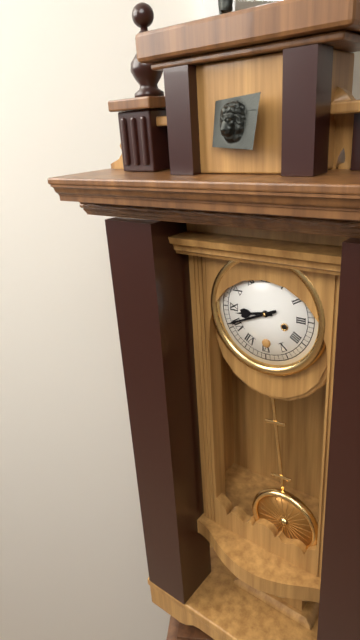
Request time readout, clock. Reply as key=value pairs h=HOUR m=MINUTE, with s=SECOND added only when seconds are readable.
h=8 m=41
